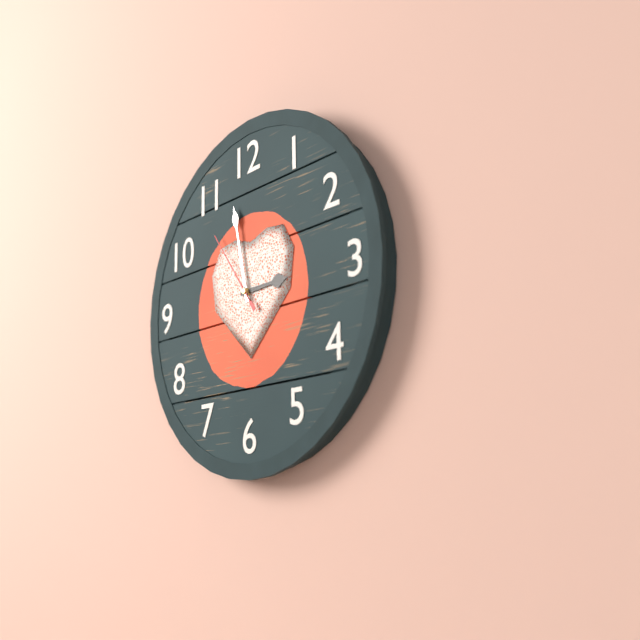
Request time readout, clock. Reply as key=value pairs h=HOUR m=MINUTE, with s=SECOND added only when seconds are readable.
h=2 m=58 s=54
